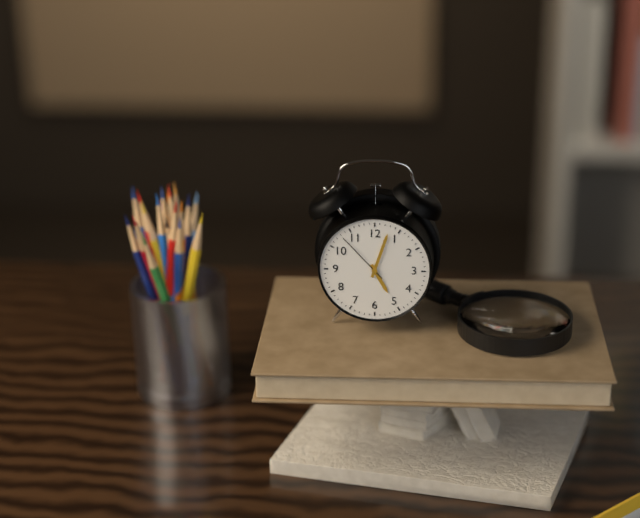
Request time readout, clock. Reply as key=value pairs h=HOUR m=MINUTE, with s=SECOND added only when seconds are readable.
h=5 m=3 s=53
